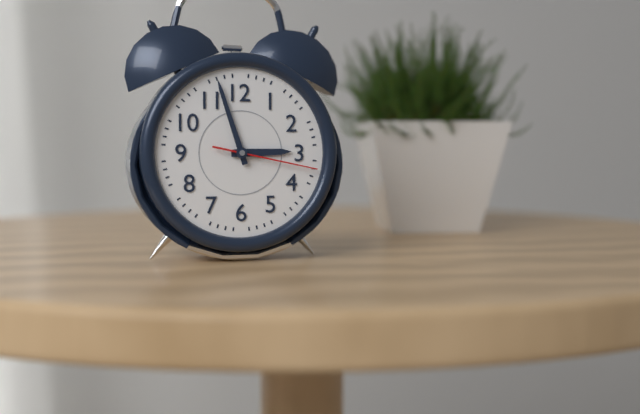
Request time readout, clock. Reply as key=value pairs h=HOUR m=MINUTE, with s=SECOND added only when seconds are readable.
h=2 m=57 s=17
